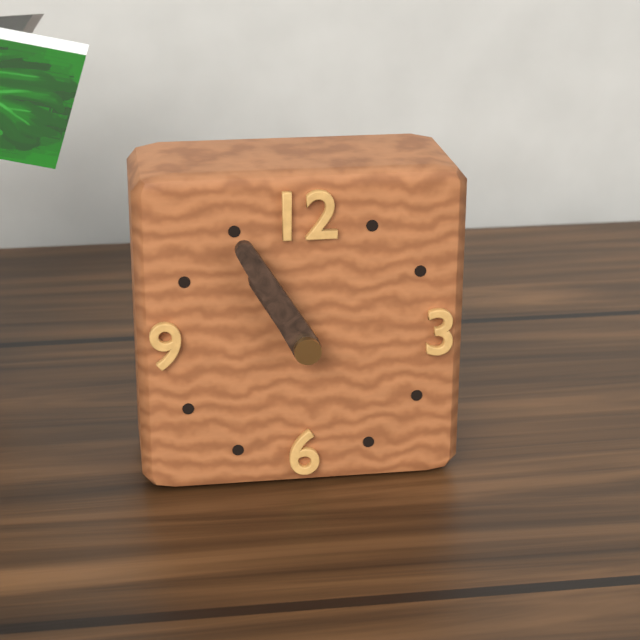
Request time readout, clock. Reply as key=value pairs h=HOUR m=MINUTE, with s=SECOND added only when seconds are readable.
h=10 m=55
